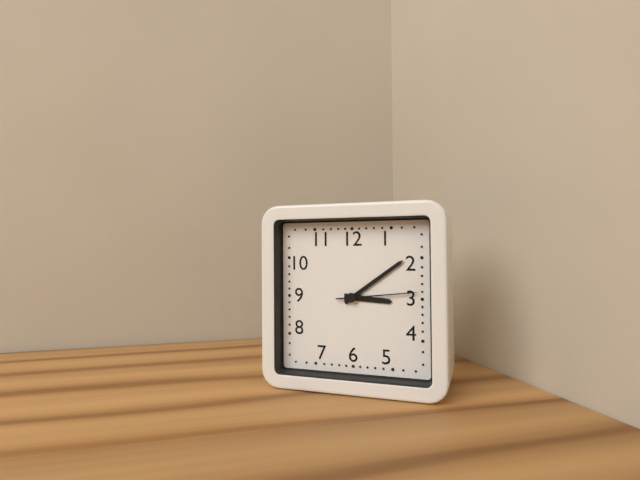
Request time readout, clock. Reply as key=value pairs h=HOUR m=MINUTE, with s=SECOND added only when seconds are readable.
h=3 m=9 s=14
